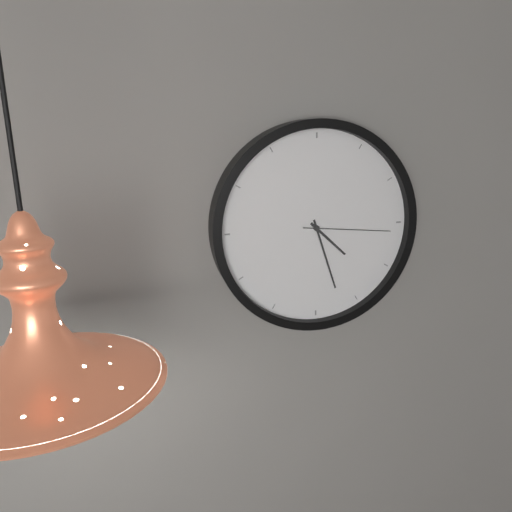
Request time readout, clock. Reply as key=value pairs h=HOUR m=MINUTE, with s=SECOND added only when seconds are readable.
h=4 m=27 s=16
